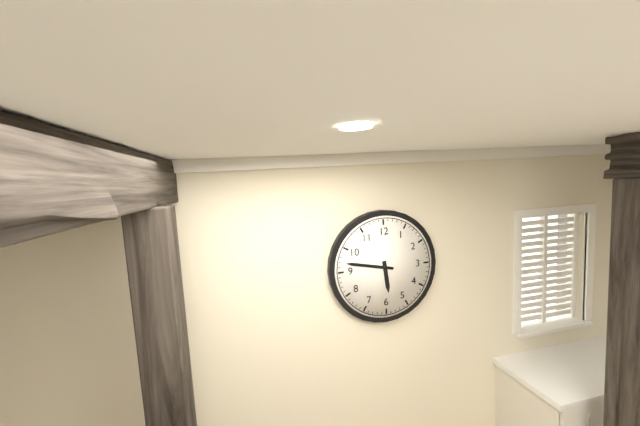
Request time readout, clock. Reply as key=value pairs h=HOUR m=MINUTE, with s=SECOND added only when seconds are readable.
h=5 m=47
